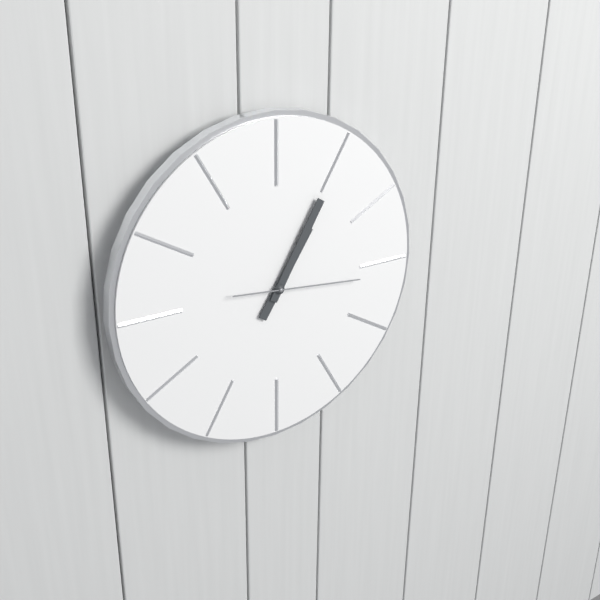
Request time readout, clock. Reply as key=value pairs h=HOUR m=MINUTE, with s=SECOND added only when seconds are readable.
h=1 m=5 s=16
